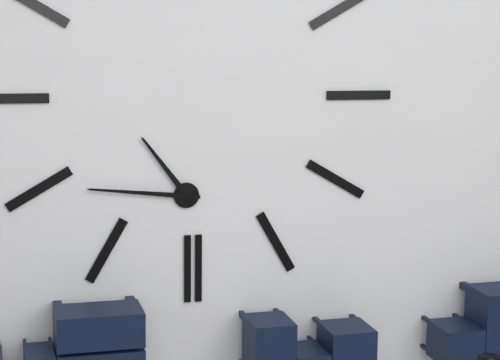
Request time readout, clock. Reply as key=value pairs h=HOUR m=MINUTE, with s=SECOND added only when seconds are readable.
h=10 m=46
